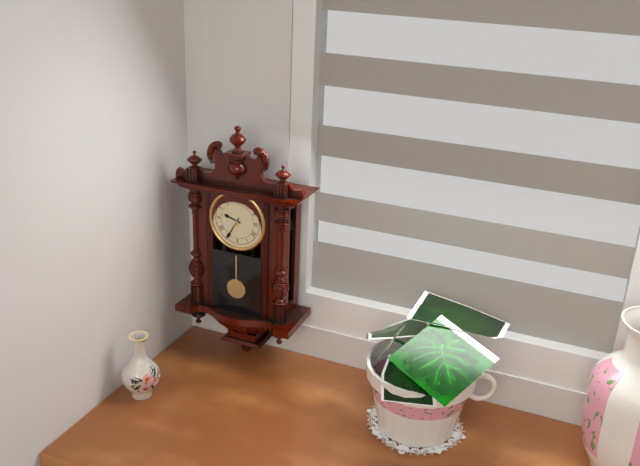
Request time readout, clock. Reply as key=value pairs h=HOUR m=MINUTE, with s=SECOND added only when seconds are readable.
h=9 m=35
